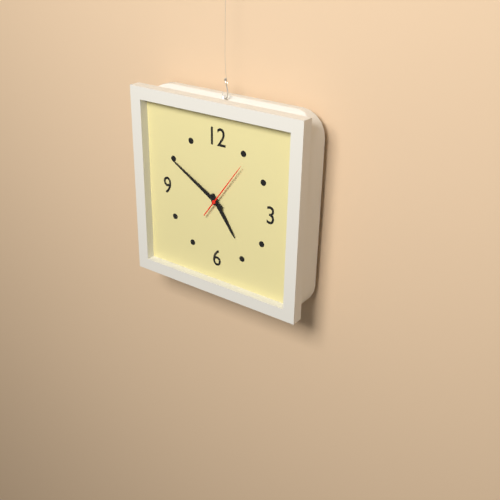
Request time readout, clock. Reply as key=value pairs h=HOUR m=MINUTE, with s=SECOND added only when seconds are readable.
h=4 m=50 s=6
